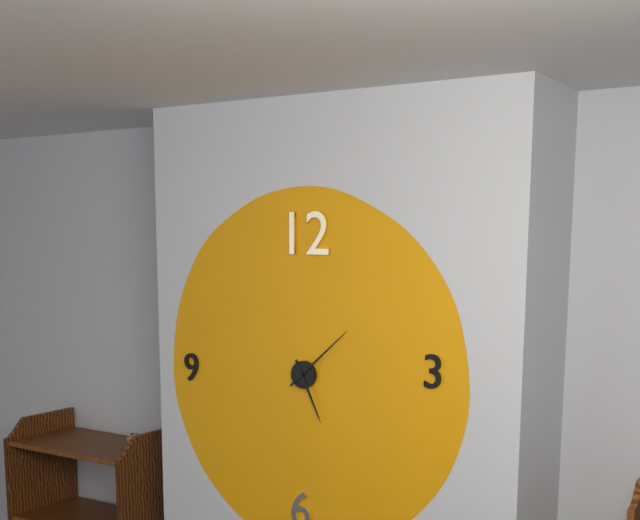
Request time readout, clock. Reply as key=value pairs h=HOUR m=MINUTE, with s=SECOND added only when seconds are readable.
h=5 m=8
